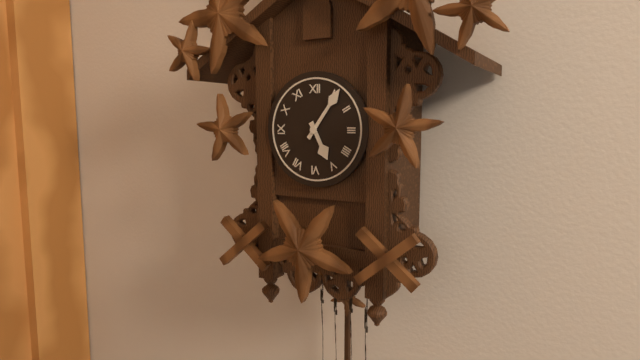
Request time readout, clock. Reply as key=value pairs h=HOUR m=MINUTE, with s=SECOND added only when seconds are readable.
h=5 m=6
